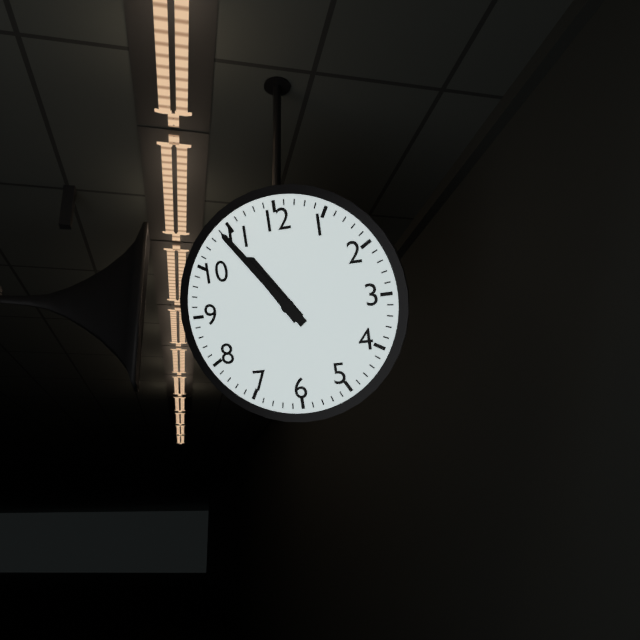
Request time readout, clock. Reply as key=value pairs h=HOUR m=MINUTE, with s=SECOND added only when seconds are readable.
h=10 m=54
